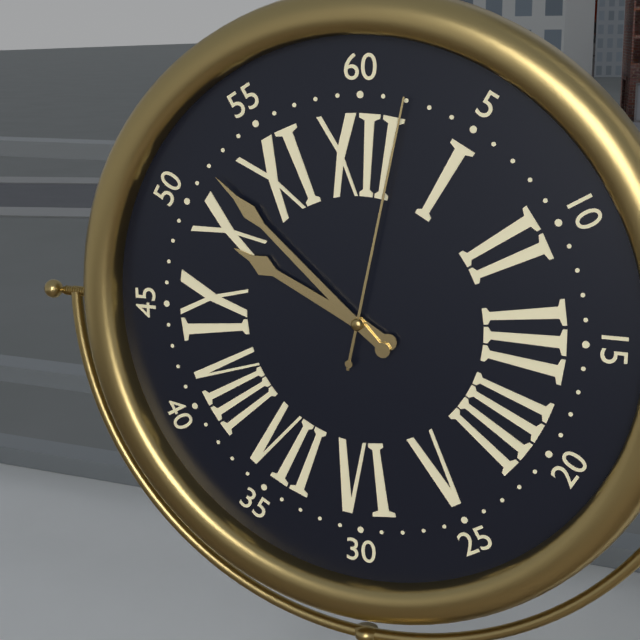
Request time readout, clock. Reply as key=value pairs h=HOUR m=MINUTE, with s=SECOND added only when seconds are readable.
h=9 m=52 s=2
